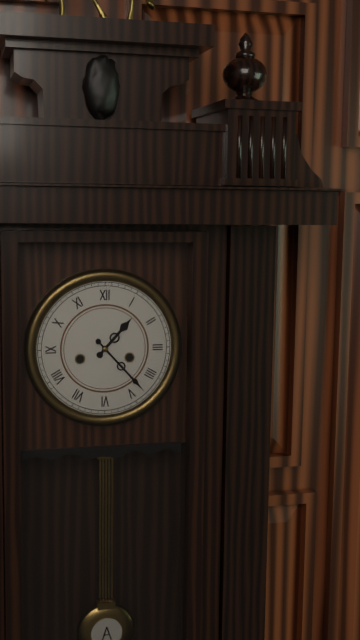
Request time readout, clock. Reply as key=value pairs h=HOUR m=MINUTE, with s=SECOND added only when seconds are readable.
h=1 m=23
